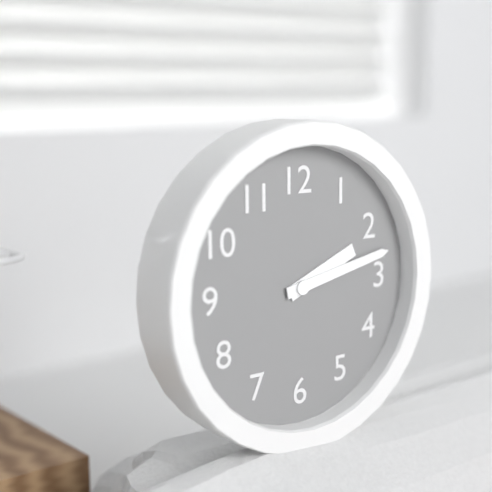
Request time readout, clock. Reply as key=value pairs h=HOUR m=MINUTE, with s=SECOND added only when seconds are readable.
h=2 m=13
